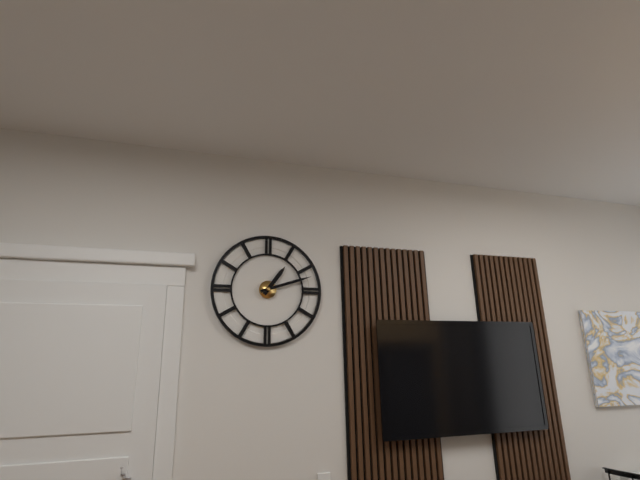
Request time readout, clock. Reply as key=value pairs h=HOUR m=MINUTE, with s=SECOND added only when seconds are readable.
h=1 m=12
